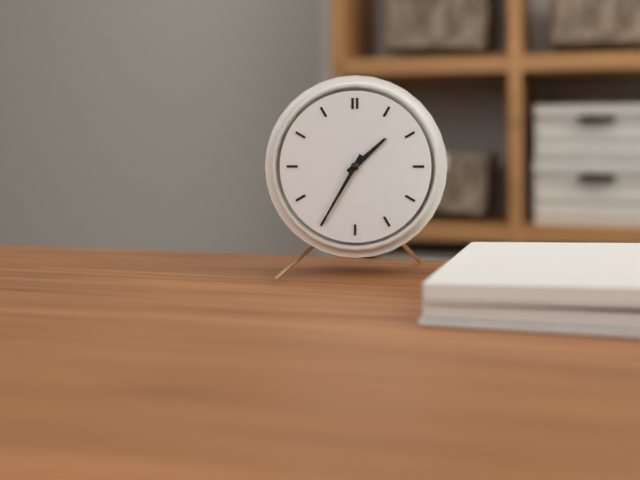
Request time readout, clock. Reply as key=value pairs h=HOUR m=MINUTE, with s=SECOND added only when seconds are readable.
h=1 m=35
